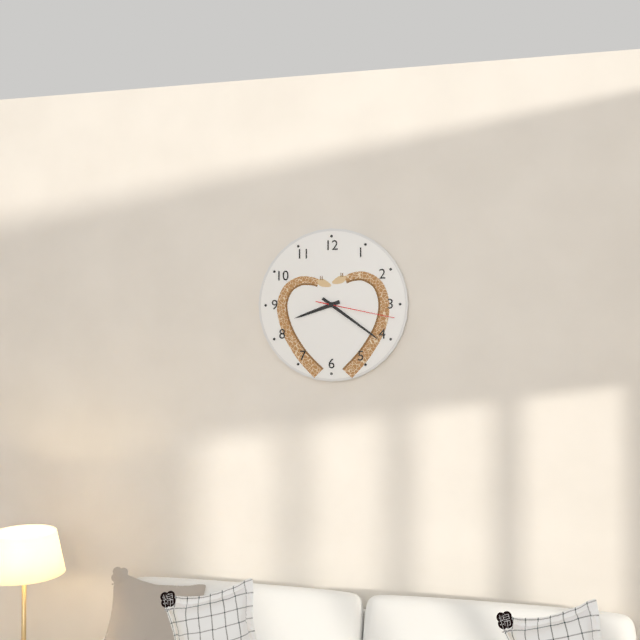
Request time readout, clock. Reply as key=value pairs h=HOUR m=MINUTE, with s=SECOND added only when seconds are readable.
h=8 m=21 s=17
